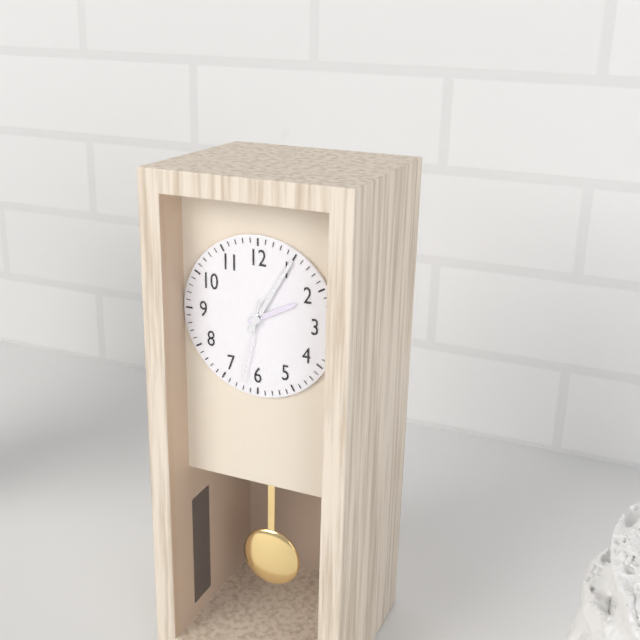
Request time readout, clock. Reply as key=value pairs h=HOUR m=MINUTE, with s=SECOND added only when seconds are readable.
h=2 m=5 s=32
